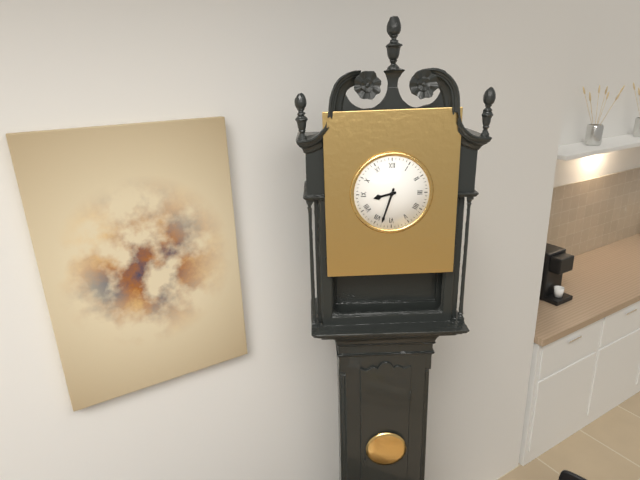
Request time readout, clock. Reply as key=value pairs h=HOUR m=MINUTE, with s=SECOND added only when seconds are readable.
h=8 m=33
